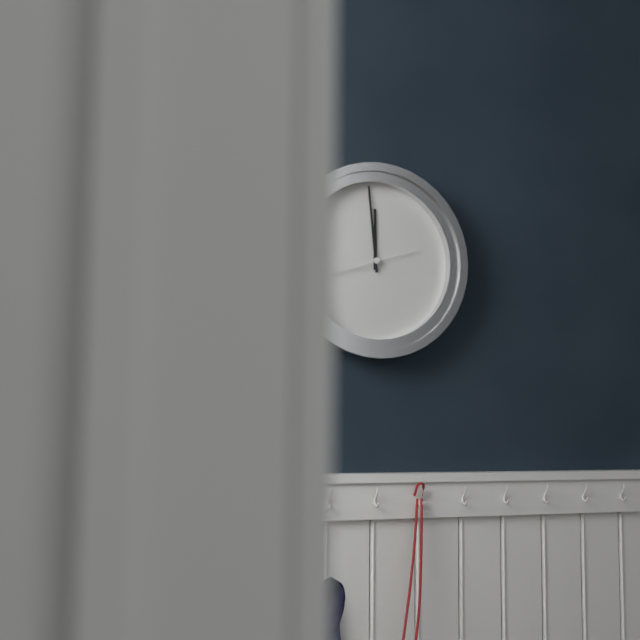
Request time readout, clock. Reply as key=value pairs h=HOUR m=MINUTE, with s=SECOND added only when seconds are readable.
h=11 m=59
